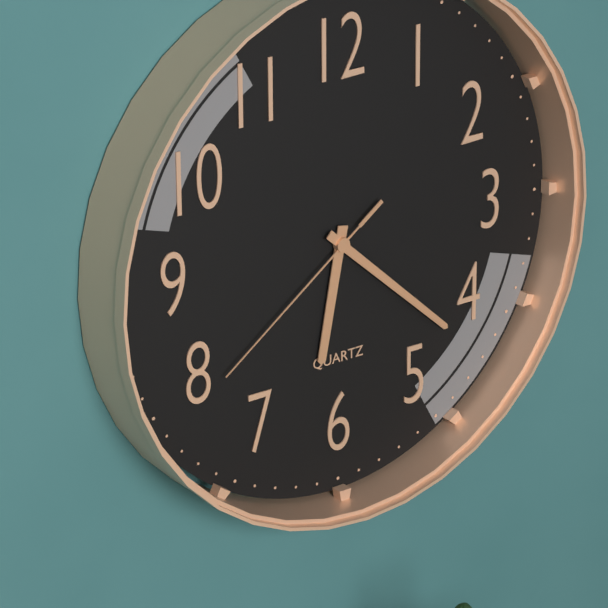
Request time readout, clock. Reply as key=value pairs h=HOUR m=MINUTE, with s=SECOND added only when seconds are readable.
h=6 m=22 s=39
